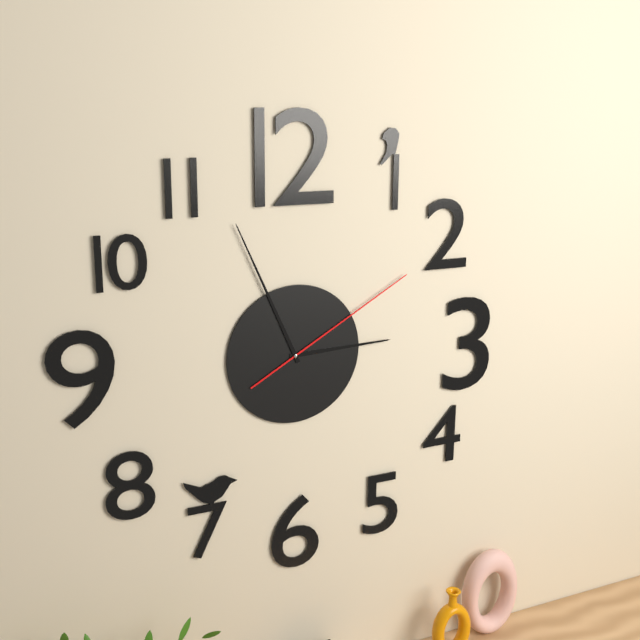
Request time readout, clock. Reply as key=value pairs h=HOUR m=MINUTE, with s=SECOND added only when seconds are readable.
h=2 m=56 s=10
